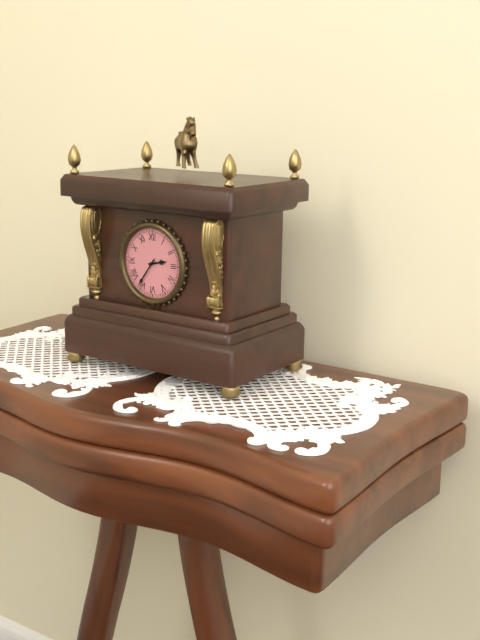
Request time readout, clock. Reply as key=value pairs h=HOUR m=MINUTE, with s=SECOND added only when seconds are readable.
h=2 m=36
